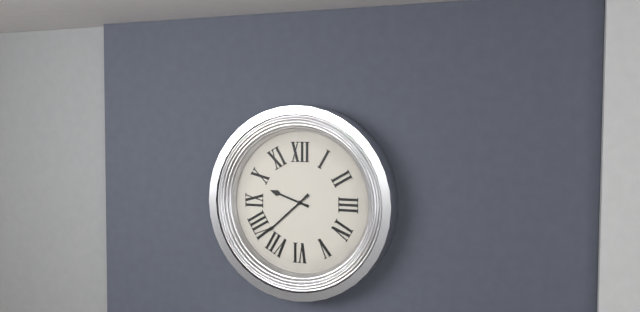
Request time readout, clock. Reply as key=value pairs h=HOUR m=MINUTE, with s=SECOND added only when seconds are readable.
h=9 m=38
